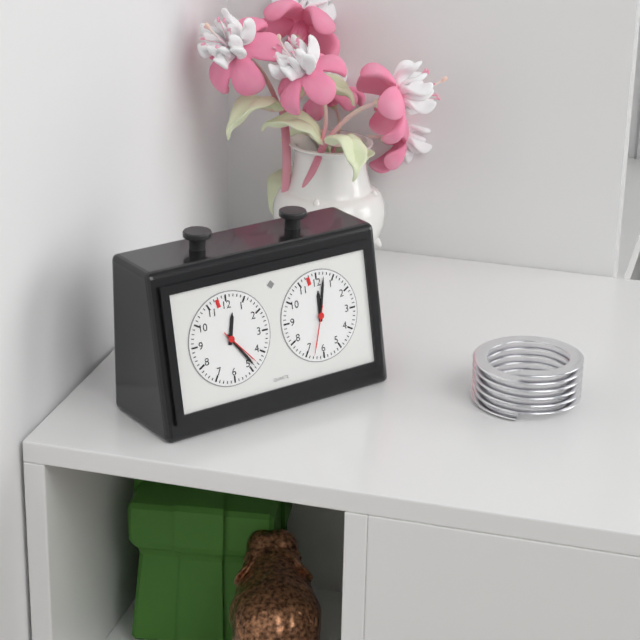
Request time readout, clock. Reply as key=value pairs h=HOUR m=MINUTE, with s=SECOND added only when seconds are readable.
h=12 m=24
